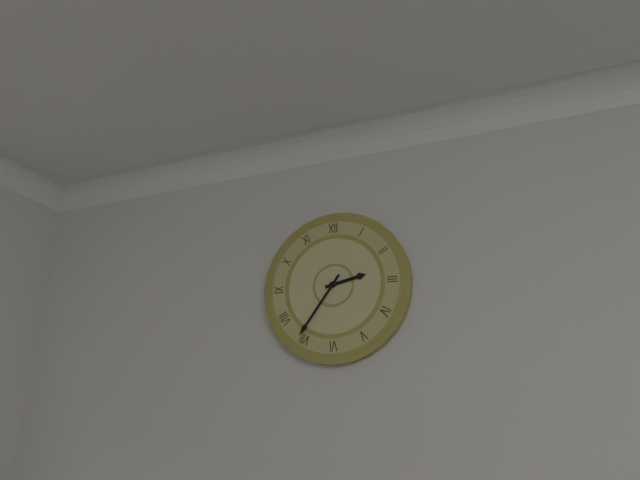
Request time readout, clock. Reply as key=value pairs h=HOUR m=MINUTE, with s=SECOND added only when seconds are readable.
h=2 m=36
